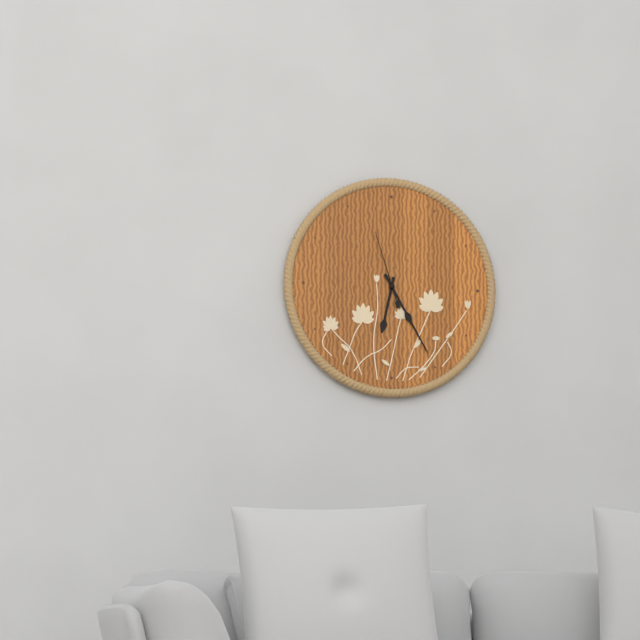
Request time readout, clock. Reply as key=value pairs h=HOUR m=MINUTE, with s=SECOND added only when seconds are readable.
h=6 m=25 s=57
